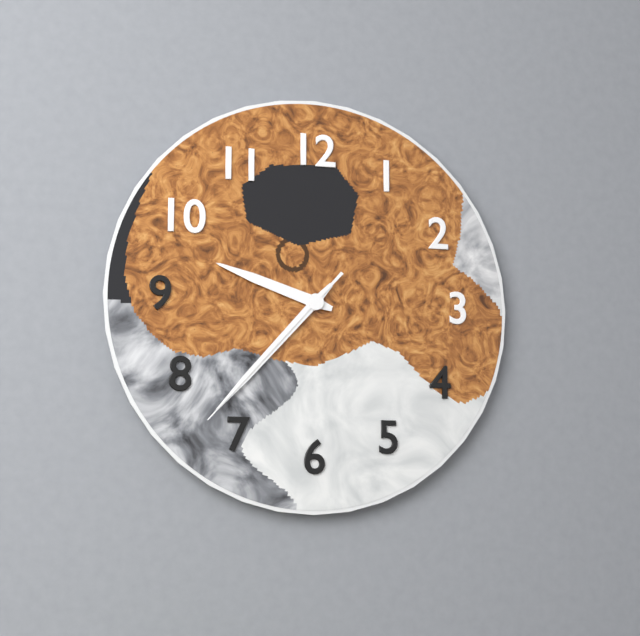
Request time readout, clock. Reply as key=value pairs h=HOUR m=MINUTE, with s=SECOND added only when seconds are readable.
h=9 m=37 s=37
